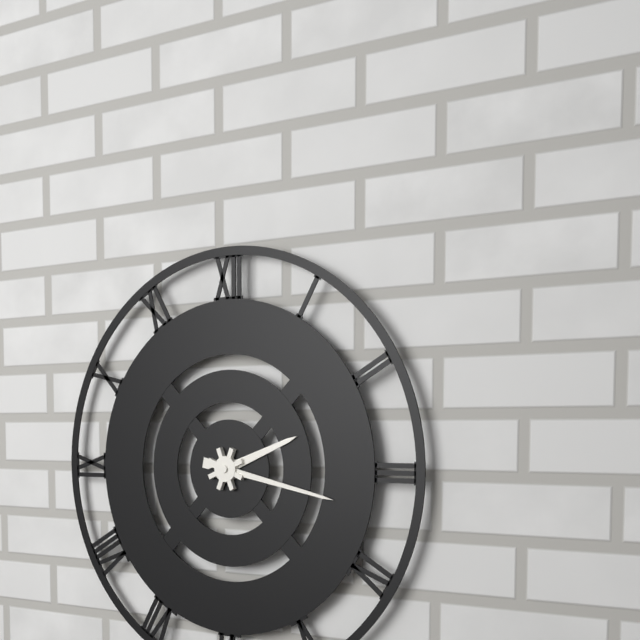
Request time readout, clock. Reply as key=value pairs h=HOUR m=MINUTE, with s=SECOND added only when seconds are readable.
h=2 m=17
